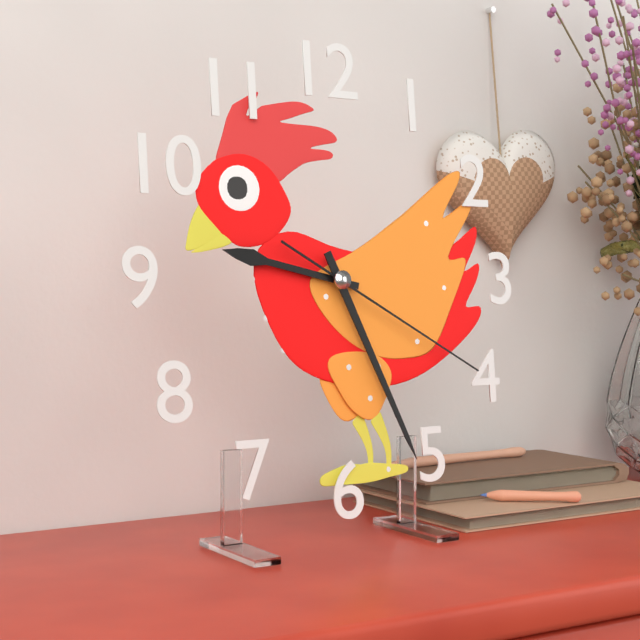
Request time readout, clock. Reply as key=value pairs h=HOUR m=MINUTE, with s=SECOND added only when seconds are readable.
h=9 m=26 s=20
